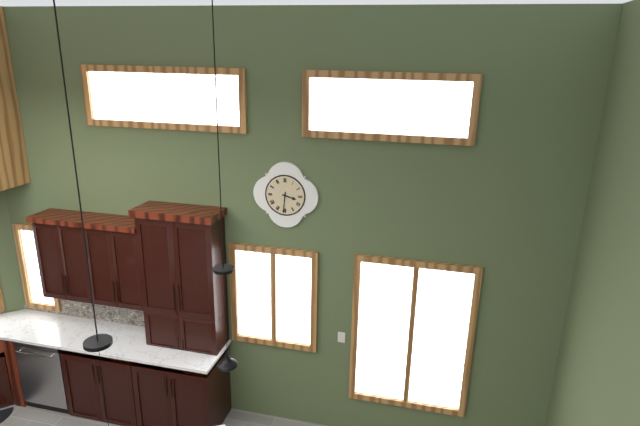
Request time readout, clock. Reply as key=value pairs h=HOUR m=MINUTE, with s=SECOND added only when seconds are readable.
h=3 m=31
